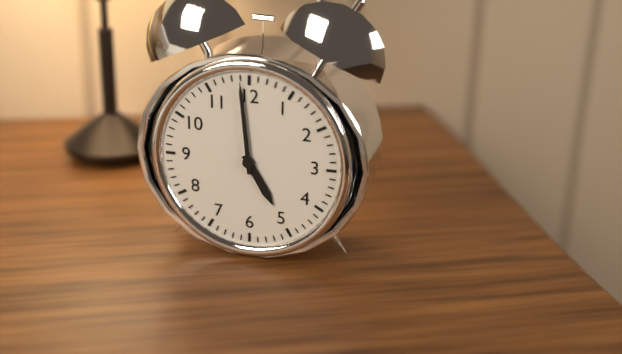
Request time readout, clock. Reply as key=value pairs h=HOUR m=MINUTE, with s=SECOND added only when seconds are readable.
h=4 m=59
